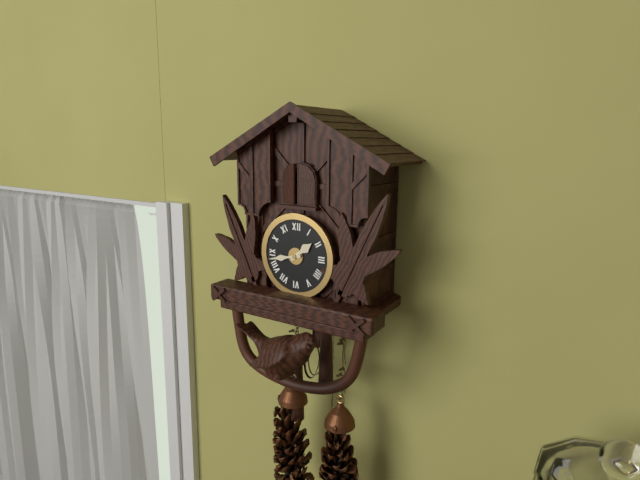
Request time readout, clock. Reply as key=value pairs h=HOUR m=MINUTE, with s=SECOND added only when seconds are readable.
h=1 m=43
